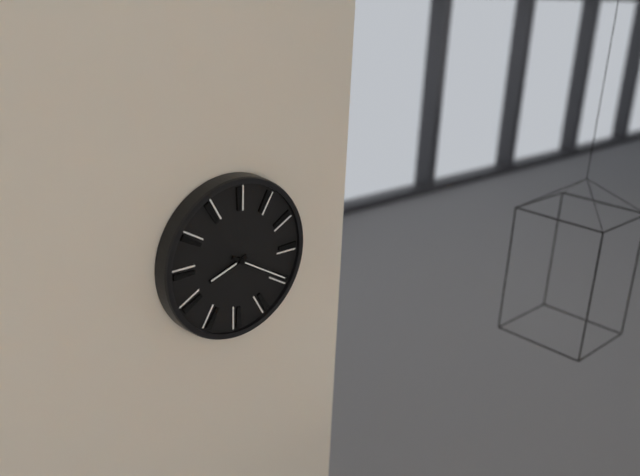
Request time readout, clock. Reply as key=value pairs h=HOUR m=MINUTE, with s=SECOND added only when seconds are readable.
h=8 m=20
